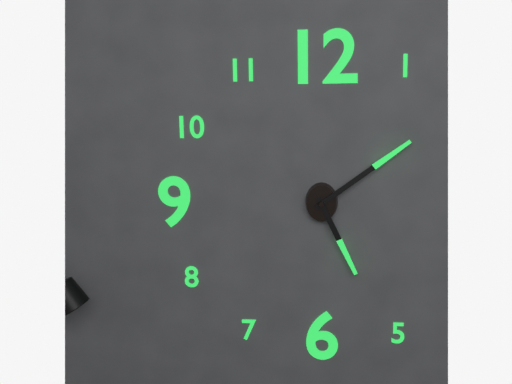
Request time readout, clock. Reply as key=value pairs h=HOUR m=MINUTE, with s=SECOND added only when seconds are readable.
h=5 m=9
